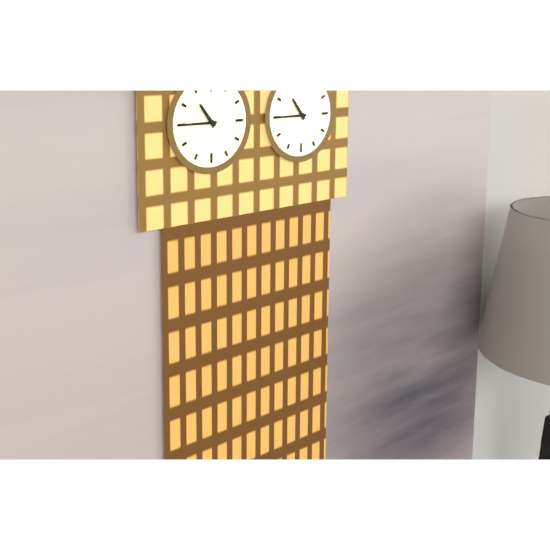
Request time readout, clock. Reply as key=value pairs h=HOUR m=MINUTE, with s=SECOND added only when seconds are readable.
h=10 m=45
